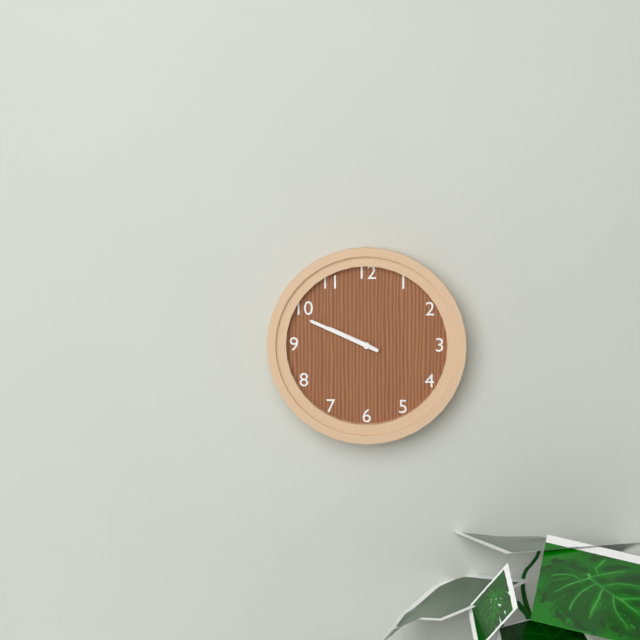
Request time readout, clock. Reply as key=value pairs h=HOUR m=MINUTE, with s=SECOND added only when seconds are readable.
h=9 m=49
